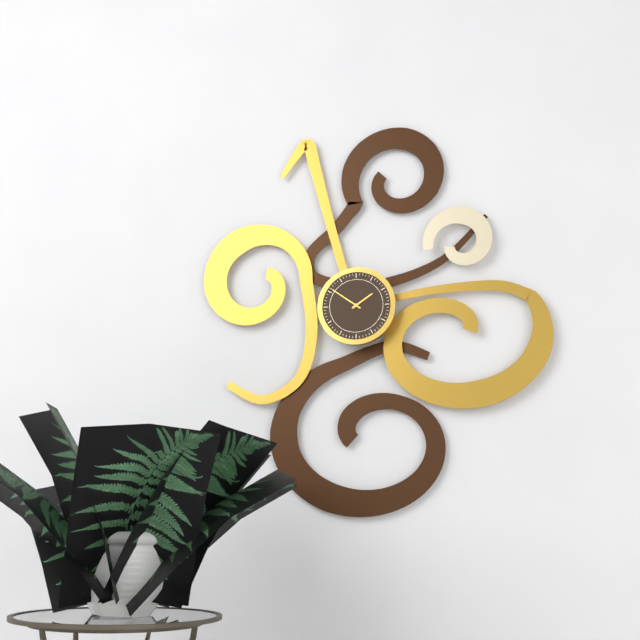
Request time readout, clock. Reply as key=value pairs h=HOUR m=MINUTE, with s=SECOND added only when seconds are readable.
h=1 m=51
